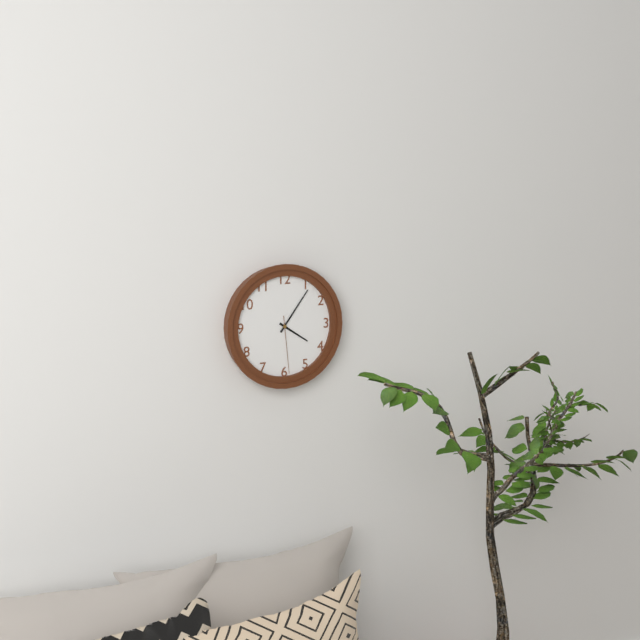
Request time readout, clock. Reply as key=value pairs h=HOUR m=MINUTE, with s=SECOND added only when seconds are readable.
h=4 m=6 s=29
